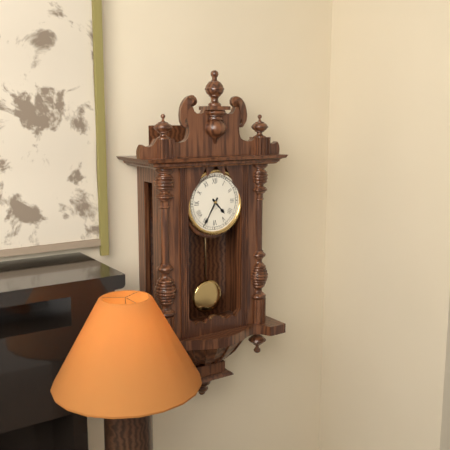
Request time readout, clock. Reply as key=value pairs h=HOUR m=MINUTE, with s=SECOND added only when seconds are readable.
h=4 m=35
